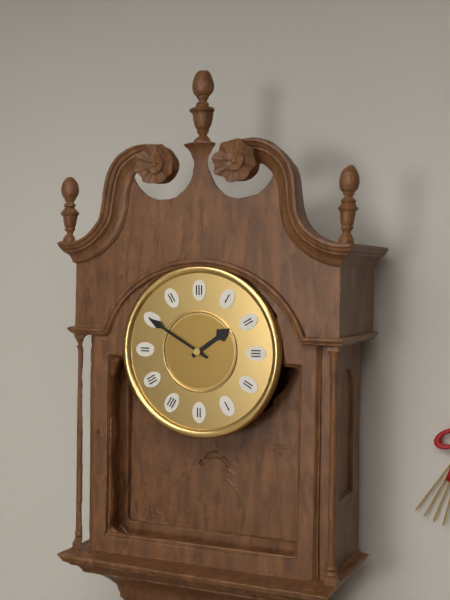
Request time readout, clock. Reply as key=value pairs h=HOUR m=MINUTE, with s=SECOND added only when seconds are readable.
h=1 m=50
